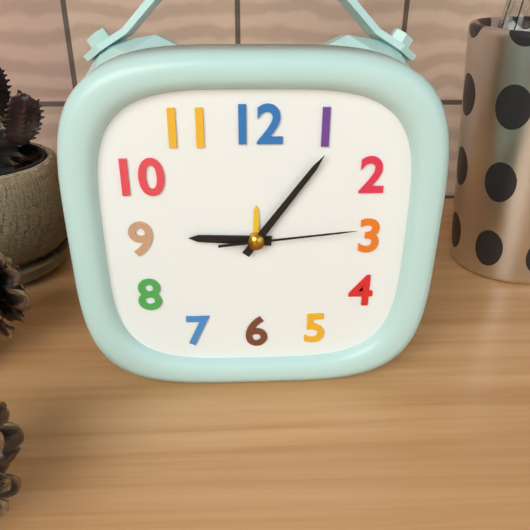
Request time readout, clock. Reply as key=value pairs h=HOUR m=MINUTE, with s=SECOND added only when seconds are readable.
h=9 m=6 s=14
